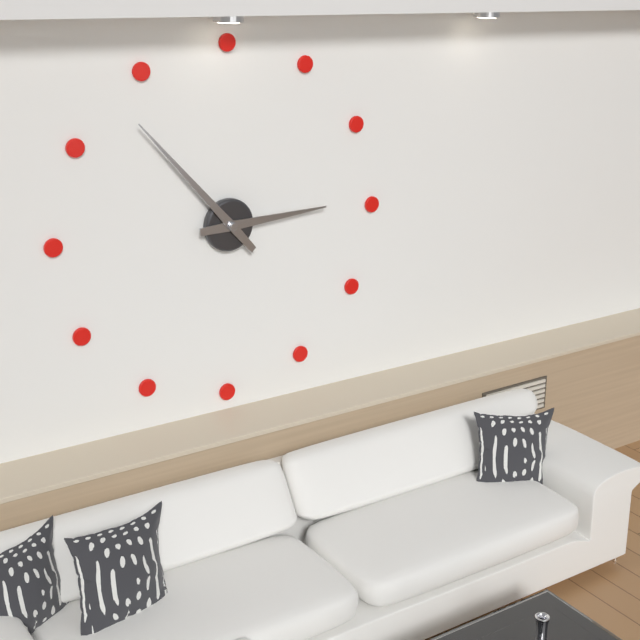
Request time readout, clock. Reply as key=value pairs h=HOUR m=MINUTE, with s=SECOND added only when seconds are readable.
h=2 m=53
